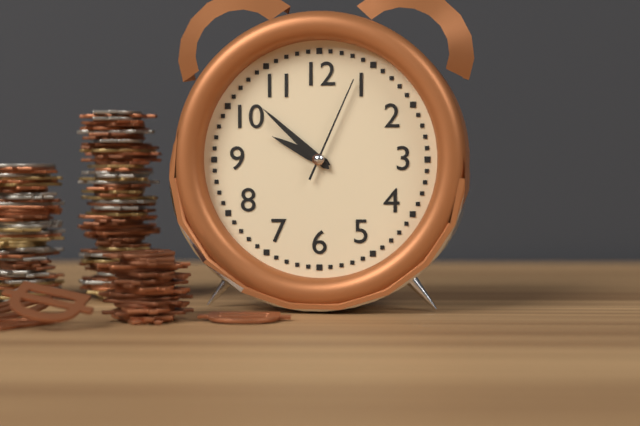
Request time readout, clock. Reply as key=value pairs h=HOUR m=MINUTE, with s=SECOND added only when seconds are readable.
h=9 m=52 s=4
